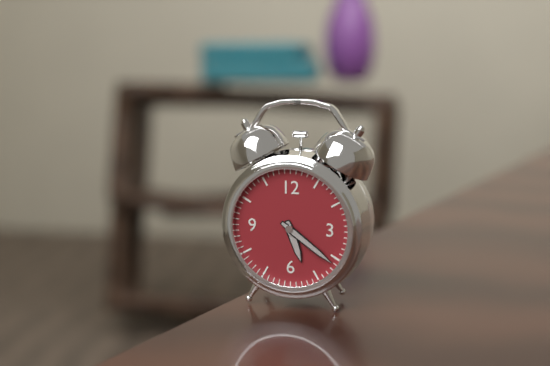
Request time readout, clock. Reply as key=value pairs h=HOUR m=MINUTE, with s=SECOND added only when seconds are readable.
h=5 m=21
